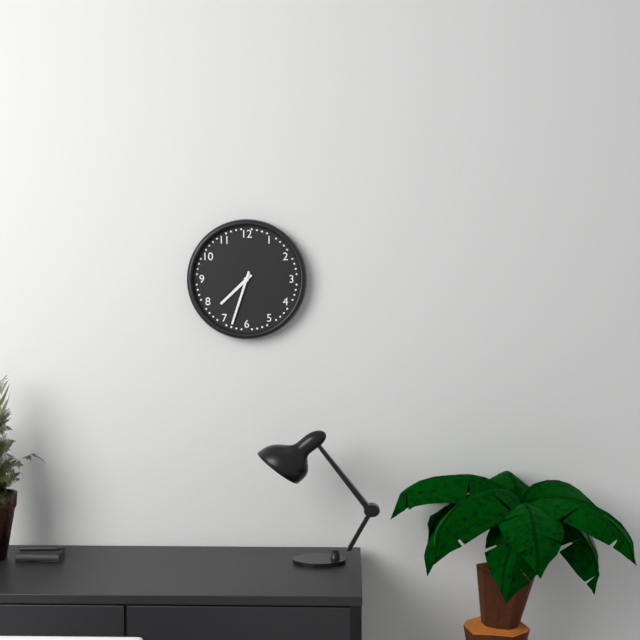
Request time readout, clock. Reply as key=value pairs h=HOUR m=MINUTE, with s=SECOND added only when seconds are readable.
h=7 m=33
